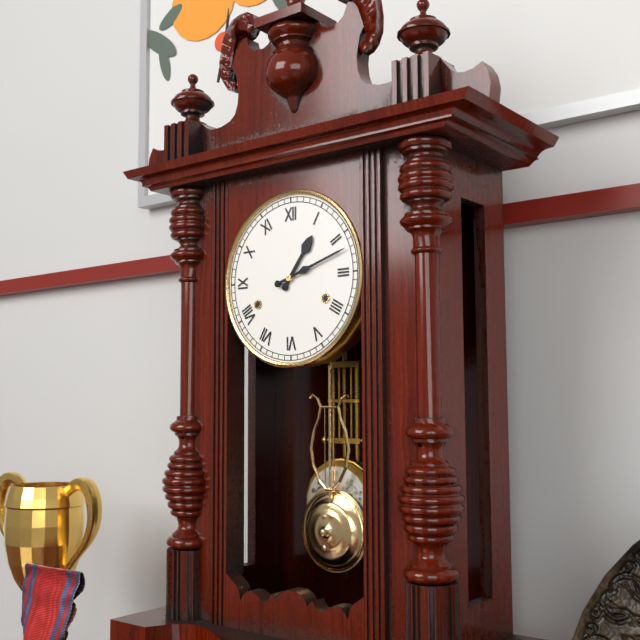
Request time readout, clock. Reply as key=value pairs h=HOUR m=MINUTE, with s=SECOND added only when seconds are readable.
h=1 m=12
